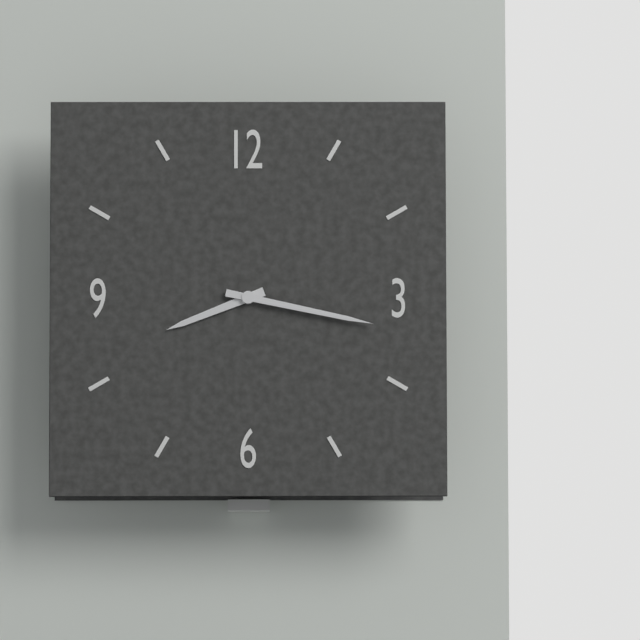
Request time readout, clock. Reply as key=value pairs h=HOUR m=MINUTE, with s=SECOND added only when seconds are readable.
h=8 m=17
